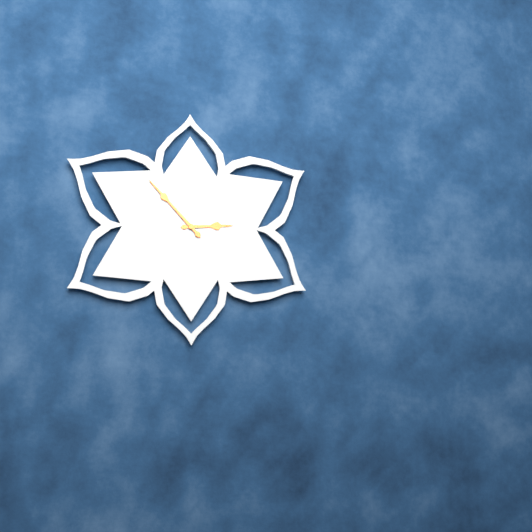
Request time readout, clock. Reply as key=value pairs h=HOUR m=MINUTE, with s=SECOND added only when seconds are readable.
h=2 m=53
